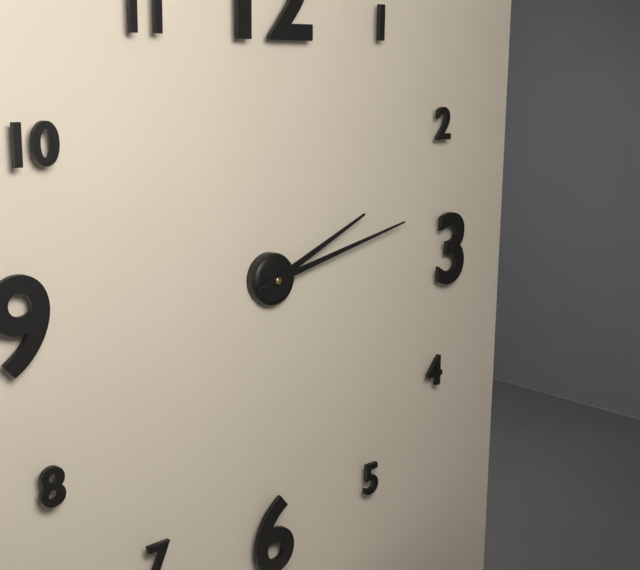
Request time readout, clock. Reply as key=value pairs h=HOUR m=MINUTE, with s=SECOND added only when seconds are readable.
h=2 m=13
